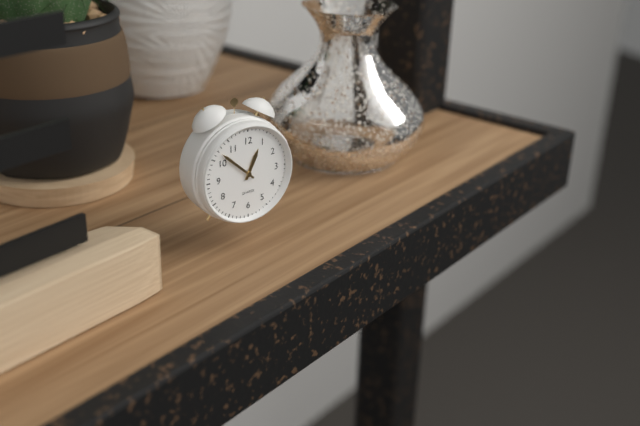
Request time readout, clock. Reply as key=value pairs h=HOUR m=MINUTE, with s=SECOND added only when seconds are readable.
h=12 m=52
